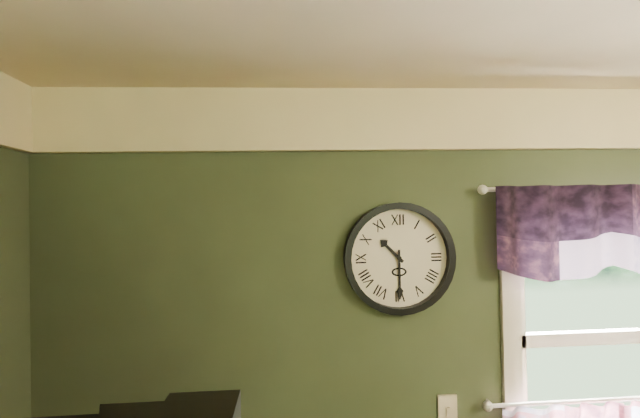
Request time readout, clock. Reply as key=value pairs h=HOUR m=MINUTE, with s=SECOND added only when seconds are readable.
h=10 m=30
